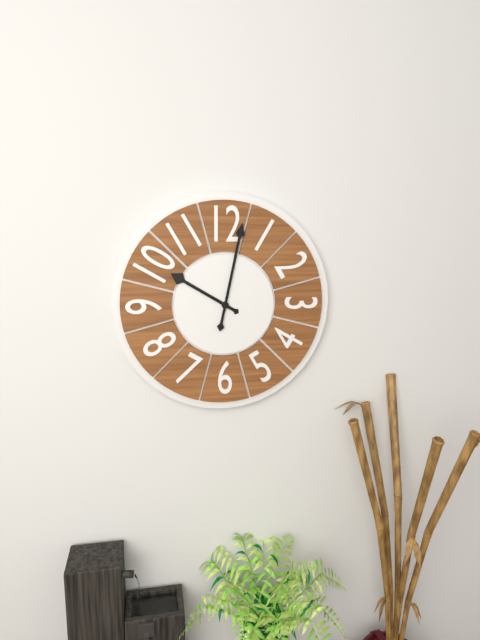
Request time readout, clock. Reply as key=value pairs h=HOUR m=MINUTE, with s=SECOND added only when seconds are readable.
h=10 m=2
